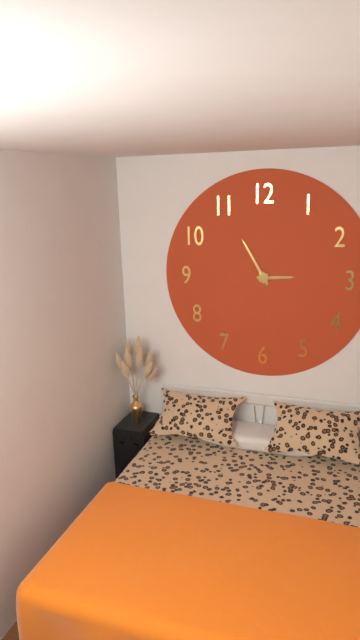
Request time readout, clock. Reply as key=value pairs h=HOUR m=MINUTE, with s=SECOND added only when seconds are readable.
h=2 m=55
